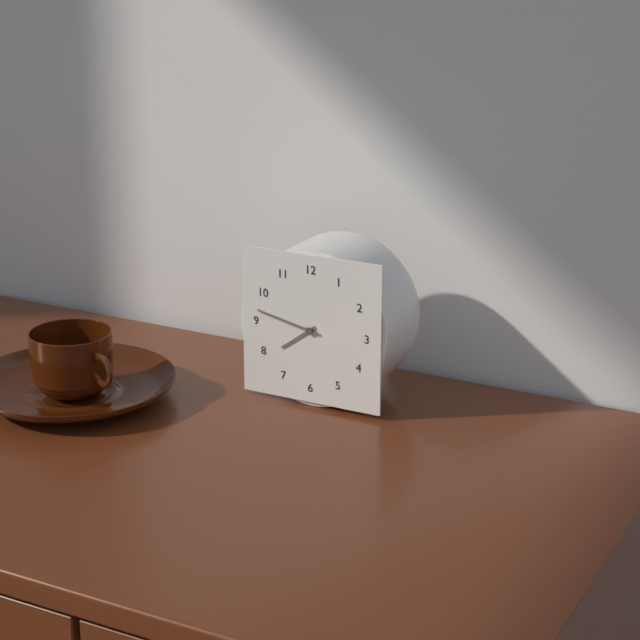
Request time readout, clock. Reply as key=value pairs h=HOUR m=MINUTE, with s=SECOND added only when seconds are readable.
h=7 m=47
